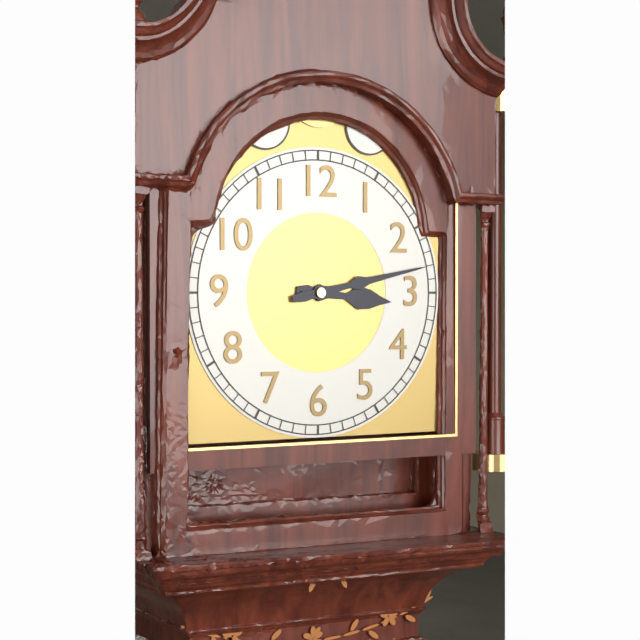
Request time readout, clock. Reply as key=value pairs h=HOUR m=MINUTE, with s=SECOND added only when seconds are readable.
h=3 m=13
